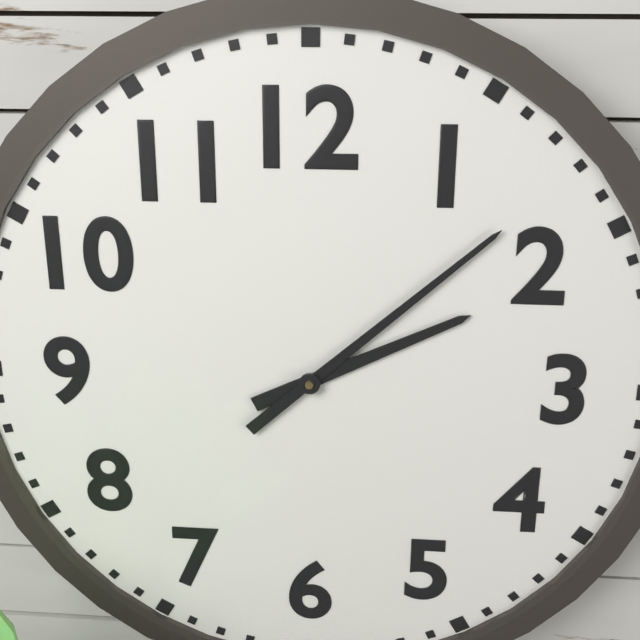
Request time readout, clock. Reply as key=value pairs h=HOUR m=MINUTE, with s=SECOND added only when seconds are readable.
h=2 m=8
